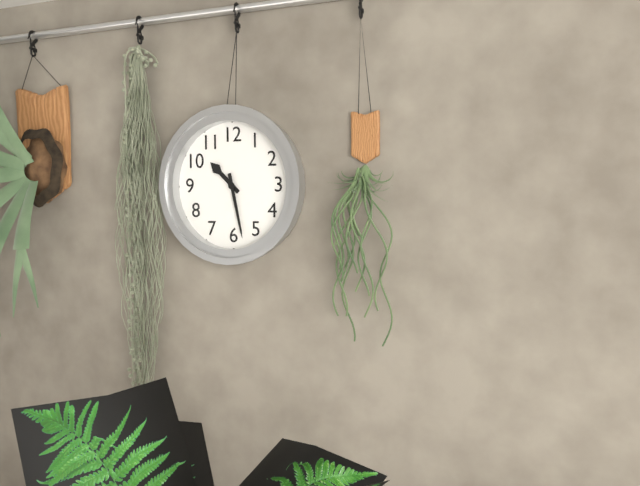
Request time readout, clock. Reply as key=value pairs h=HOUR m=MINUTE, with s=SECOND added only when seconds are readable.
h=10 m=28
